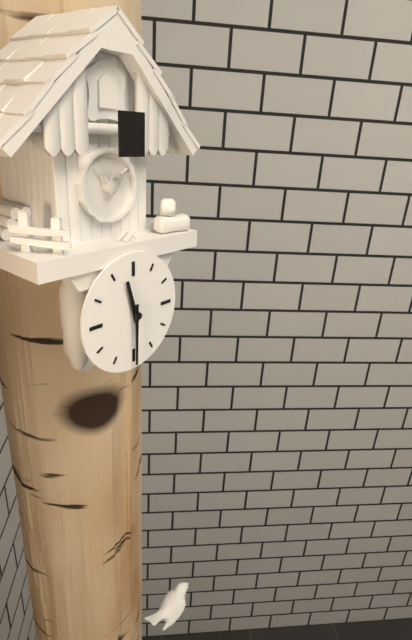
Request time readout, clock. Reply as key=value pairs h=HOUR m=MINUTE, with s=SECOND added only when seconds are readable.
h=11 m=30
